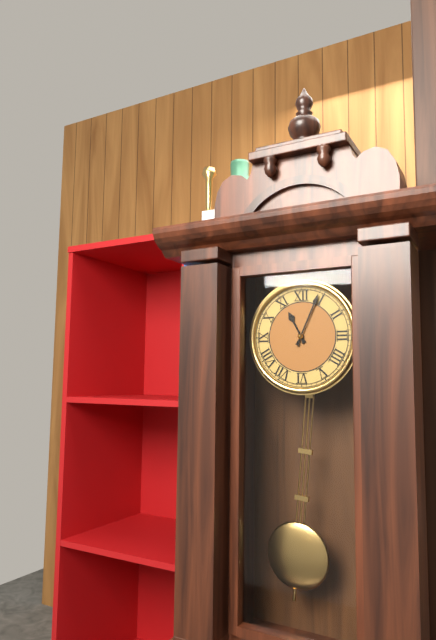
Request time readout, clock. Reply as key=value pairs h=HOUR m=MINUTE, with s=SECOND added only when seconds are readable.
h=11 m=4
